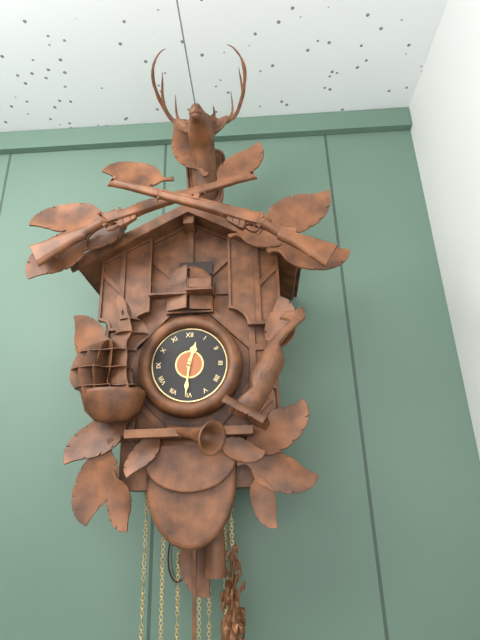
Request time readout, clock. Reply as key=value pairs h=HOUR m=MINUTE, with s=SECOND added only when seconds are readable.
h=12 m=31
